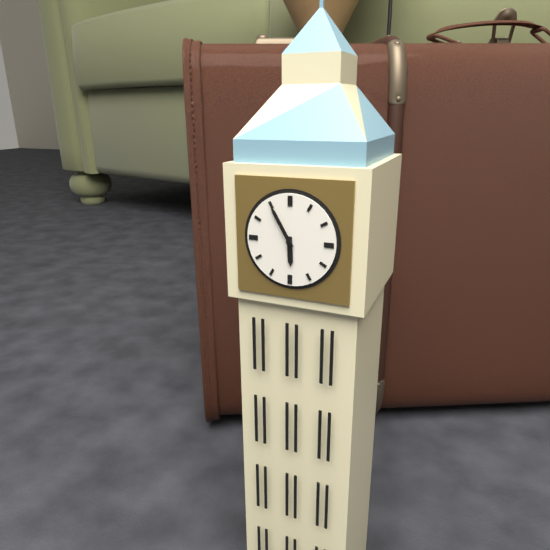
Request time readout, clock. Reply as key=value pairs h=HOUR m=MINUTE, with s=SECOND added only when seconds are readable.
h=5 m=55
